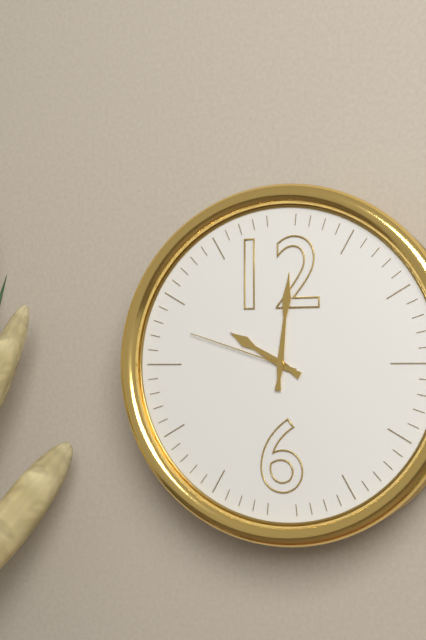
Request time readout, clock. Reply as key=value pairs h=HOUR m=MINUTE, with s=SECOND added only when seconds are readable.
h=10 m=1 s=48
